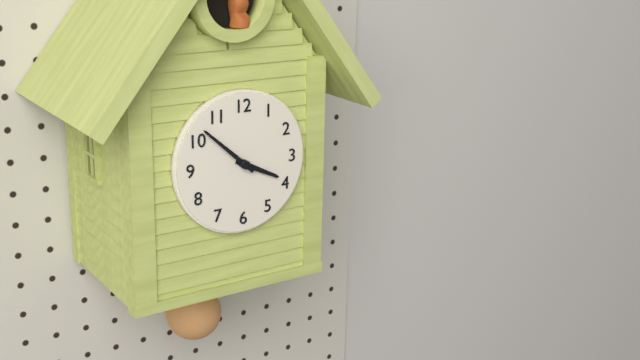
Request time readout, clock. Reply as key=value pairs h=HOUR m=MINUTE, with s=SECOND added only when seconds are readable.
h=3 m=52
